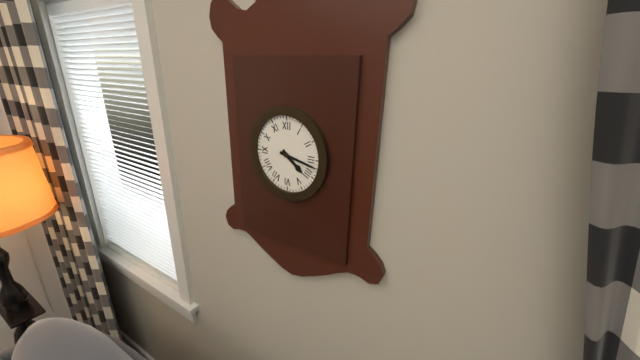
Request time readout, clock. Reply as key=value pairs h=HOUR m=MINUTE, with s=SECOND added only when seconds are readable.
h=4 m=17
